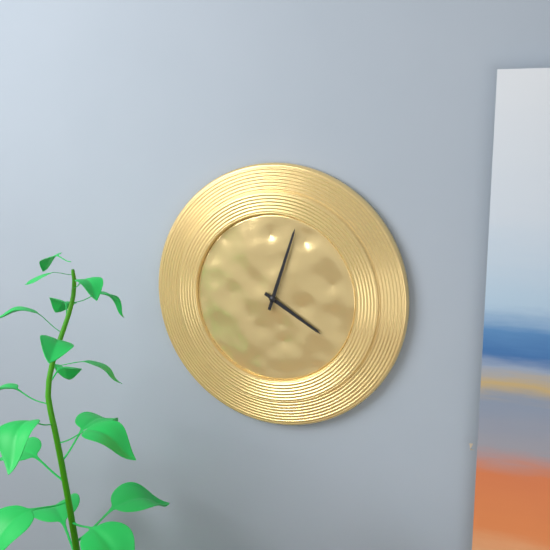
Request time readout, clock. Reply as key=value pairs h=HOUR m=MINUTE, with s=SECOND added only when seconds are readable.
h=4 m=3
